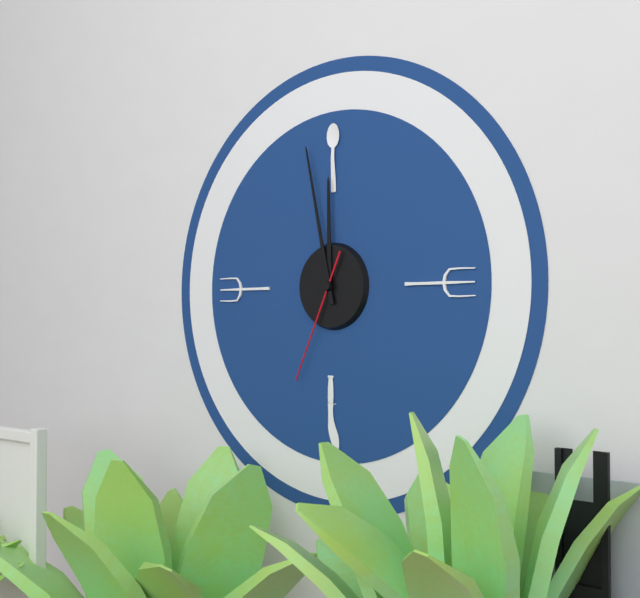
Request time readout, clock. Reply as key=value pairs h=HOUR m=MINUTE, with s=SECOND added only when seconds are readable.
h=11 m=58 s=34
